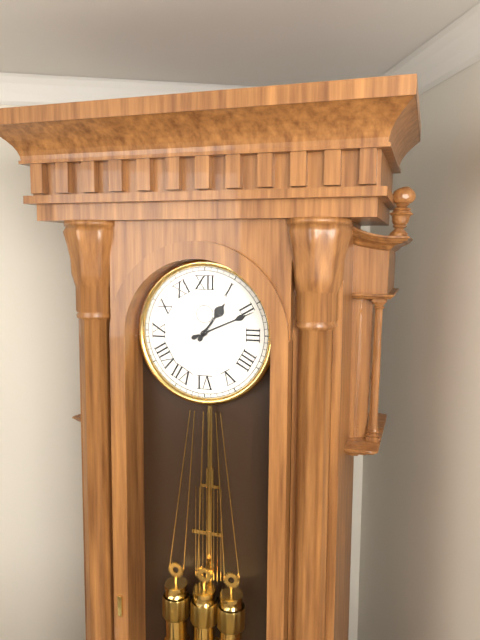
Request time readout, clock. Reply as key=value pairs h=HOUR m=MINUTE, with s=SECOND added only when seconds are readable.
h=1 m=11
